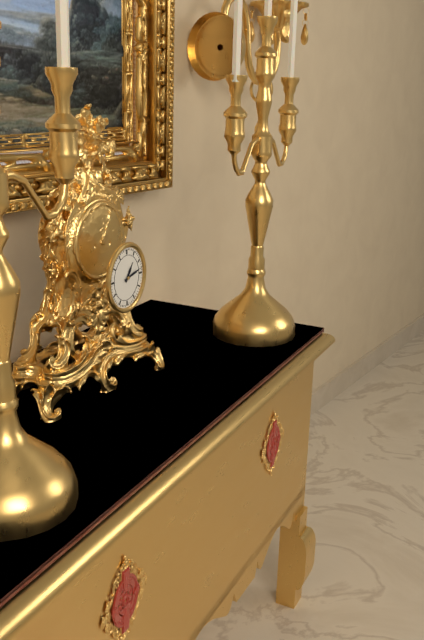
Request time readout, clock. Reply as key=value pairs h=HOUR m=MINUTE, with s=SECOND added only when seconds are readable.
h=1 m=13
